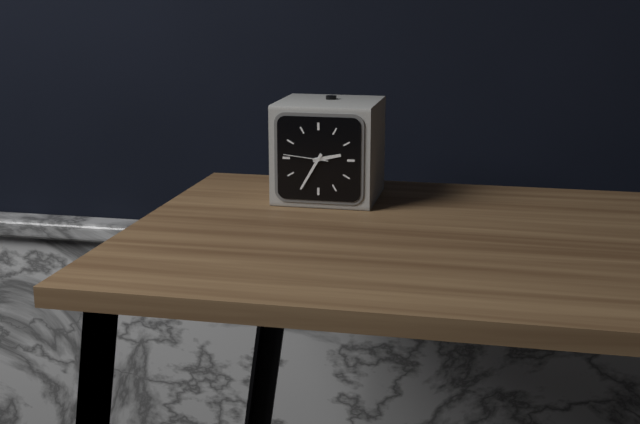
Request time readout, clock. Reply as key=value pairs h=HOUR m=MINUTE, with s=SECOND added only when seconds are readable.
h=2 m=35
